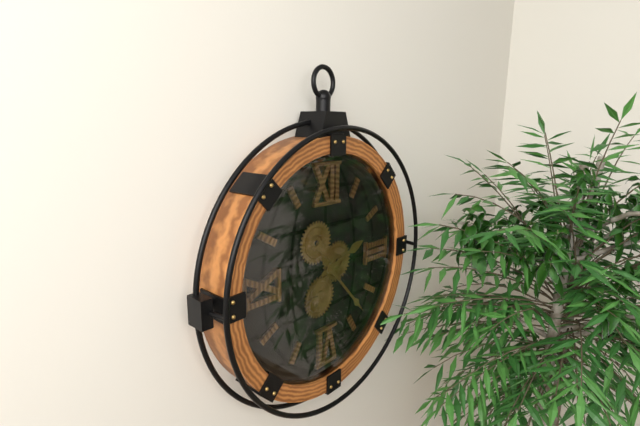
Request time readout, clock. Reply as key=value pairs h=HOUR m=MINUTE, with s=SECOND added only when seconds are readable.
h=2 m=23
